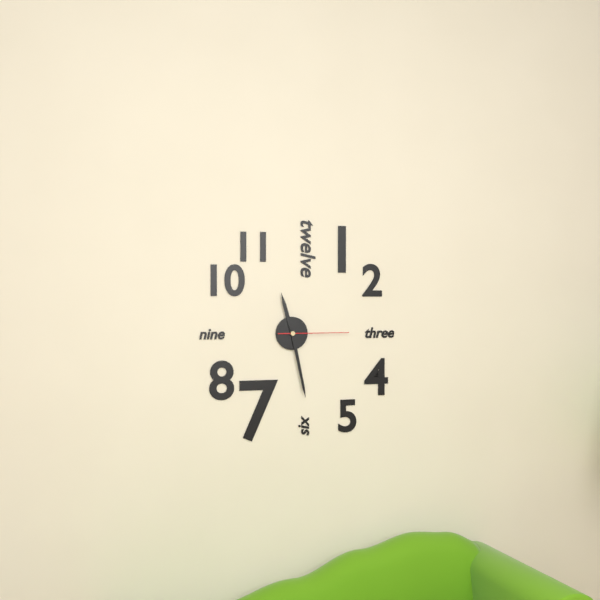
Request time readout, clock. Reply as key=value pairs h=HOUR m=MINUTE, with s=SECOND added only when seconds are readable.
h=11 m=28 s=15
